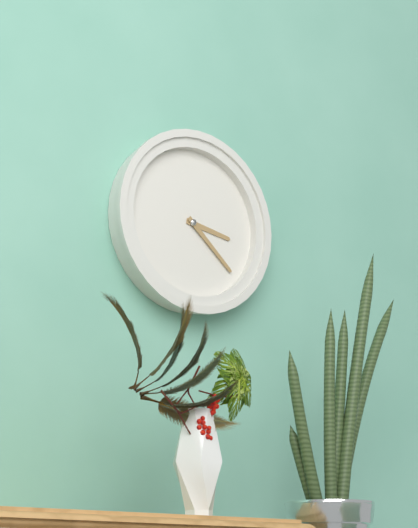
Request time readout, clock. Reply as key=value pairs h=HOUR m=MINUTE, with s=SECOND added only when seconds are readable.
h=3 m=22
